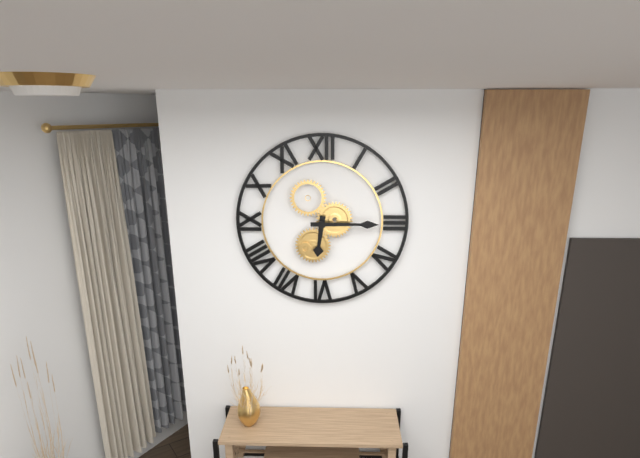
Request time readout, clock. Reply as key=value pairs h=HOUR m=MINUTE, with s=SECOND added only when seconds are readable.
h=6 m=15
